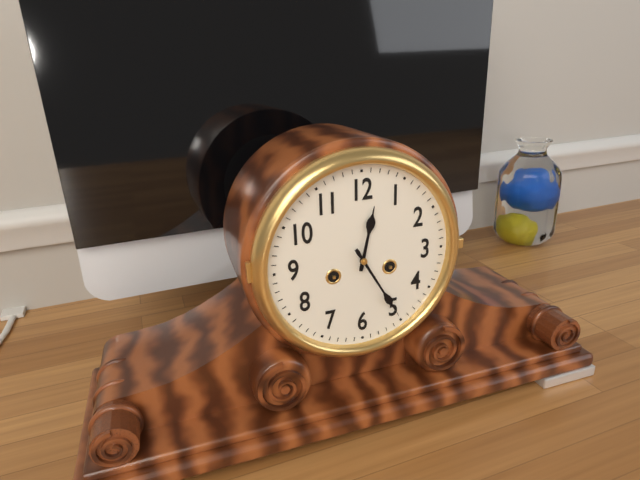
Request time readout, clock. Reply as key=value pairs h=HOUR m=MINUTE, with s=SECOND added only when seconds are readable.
h=12 m=25
